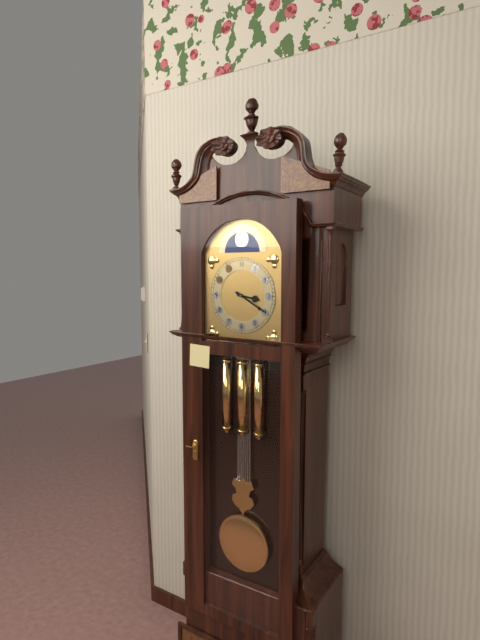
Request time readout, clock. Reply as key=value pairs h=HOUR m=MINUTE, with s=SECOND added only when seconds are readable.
h=3 m=20
